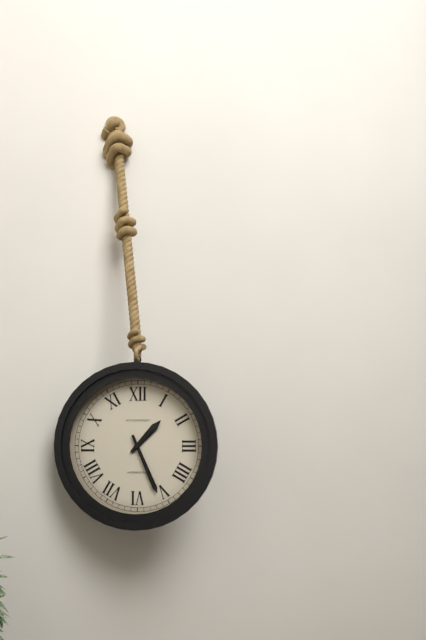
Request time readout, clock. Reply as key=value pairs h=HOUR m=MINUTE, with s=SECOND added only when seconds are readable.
h=1 m=26
